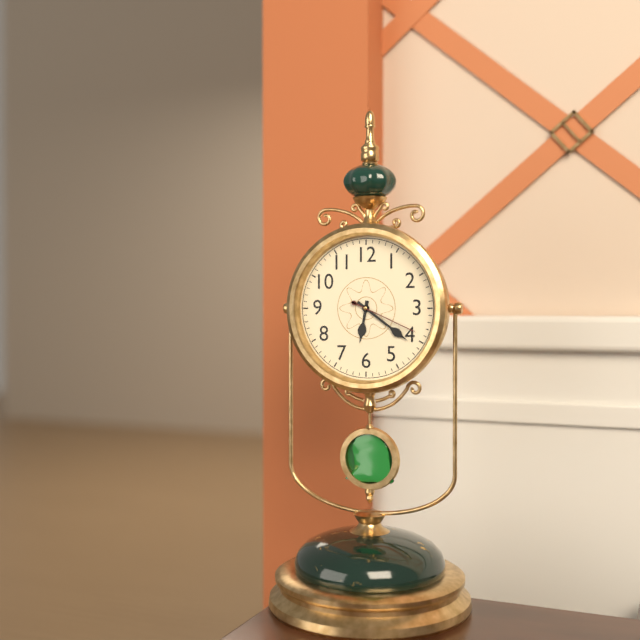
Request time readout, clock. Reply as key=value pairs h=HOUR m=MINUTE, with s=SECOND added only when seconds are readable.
h=6 m=21 s=19
